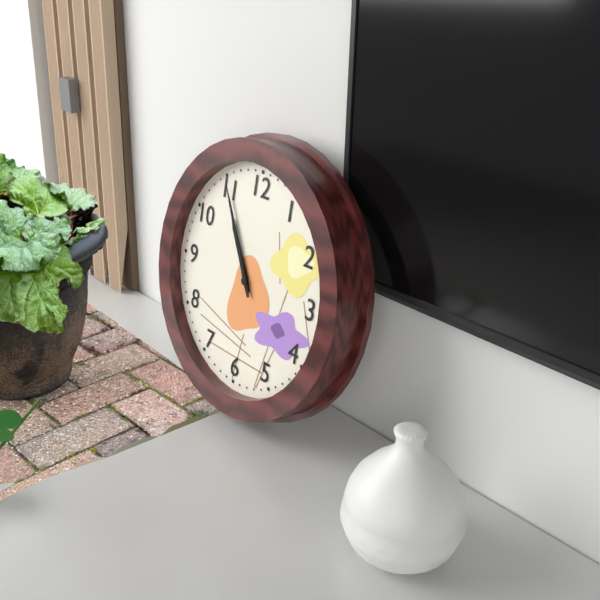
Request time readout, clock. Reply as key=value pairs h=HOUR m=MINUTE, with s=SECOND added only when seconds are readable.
h=10 m=55
